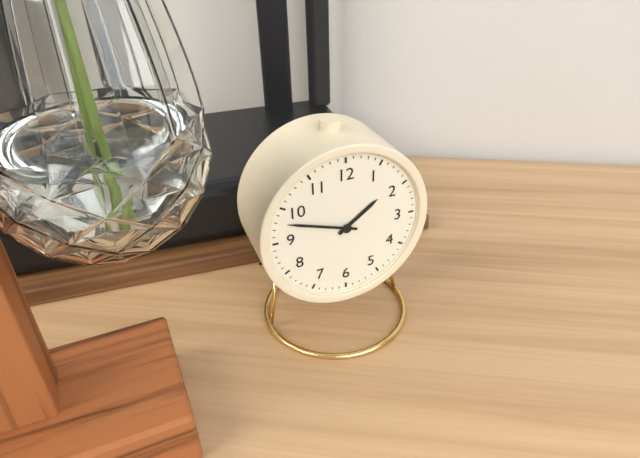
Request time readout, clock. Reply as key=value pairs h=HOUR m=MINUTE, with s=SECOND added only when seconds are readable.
h=1 m=48
